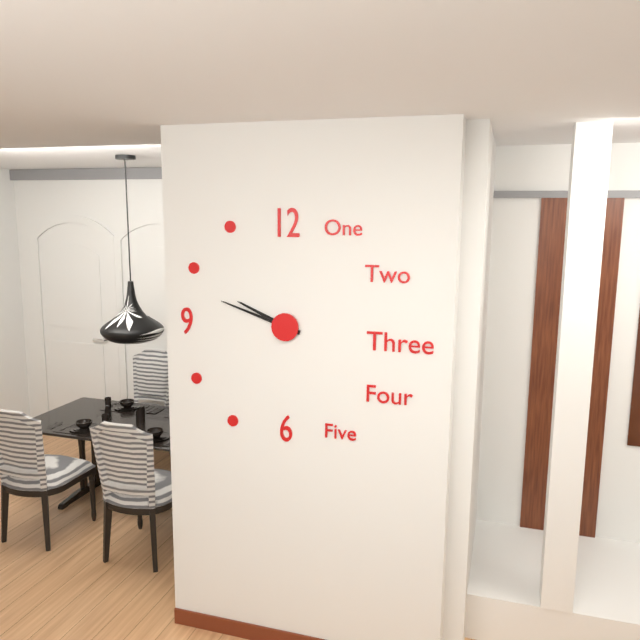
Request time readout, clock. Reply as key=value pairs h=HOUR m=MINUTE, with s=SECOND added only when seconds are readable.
h=9 m=48
